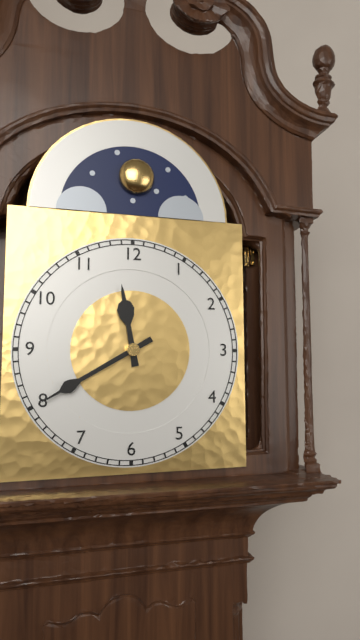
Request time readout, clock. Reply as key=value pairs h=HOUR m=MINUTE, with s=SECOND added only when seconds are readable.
h=11 m=40
